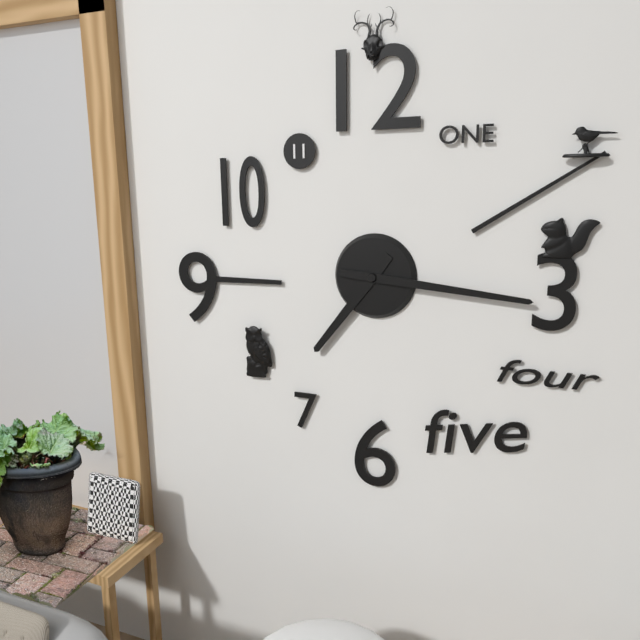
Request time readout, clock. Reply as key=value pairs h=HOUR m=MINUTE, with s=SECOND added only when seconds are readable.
h=7 m=16
